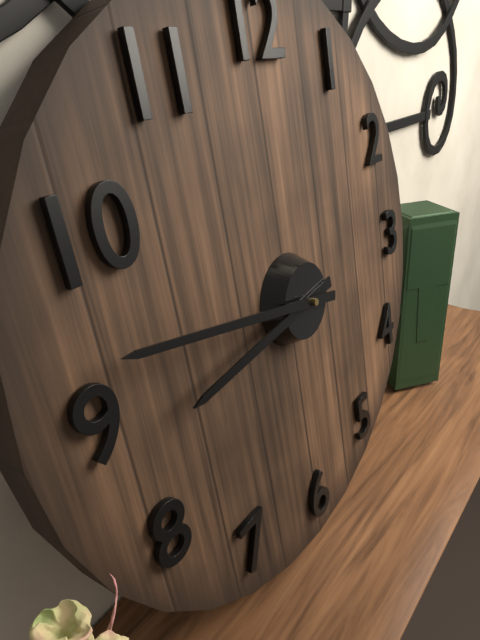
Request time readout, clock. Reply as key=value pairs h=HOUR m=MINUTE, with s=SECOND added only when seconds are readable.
h=8 m=47
